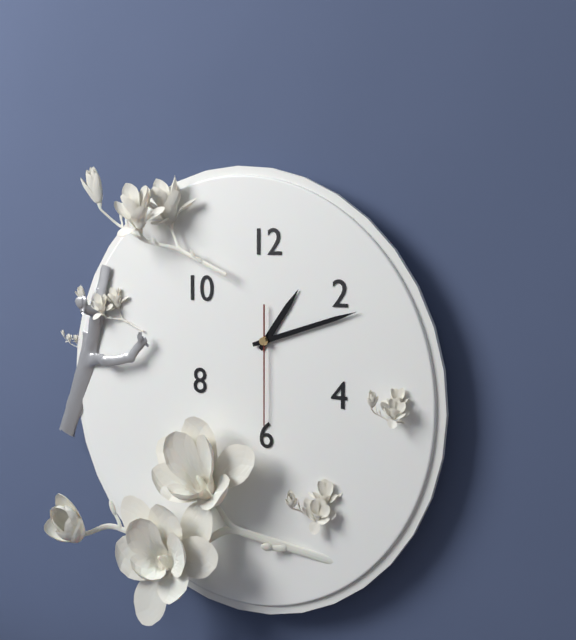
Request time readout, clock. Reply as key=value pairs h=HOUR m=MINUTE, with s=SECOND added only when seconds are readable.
h=1 m=12 s=30
